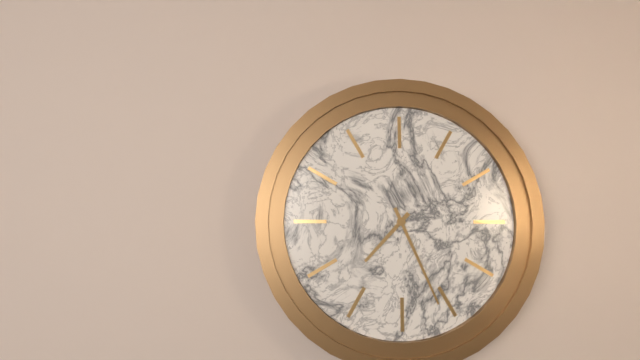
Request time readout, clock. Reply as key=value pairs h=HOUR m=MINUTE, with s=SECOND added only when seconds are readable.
h=7 m=26
